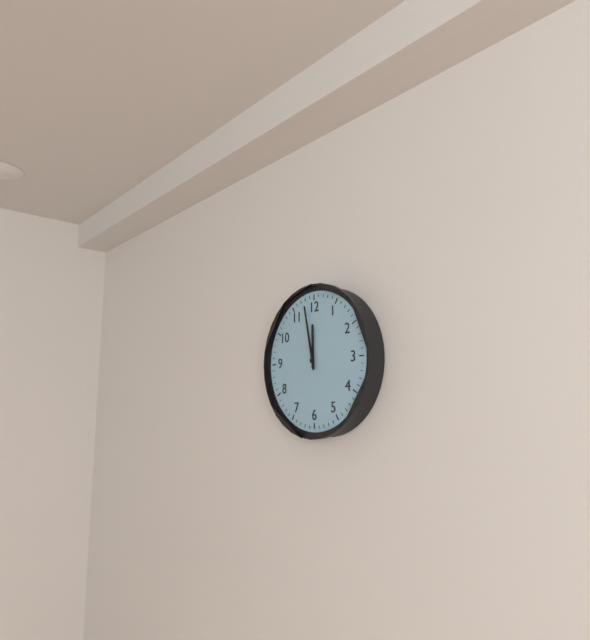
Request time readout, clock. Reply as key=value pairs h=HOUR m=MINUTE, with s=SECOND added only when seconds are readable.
h=11 m=58
